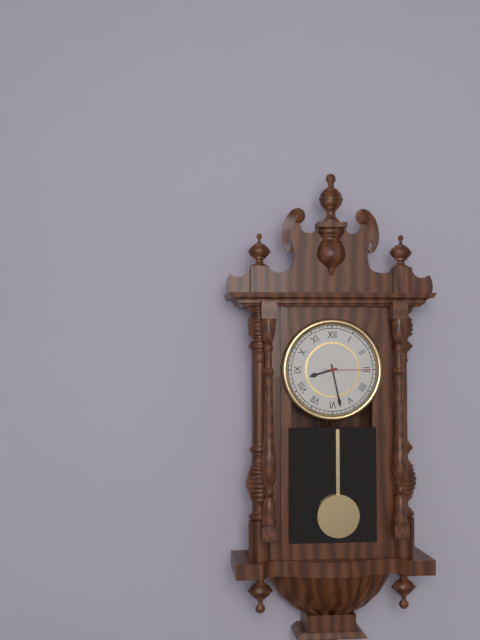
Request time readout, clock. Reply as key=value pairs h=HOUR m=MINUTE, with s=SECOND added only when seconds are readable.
h=8 m=28
